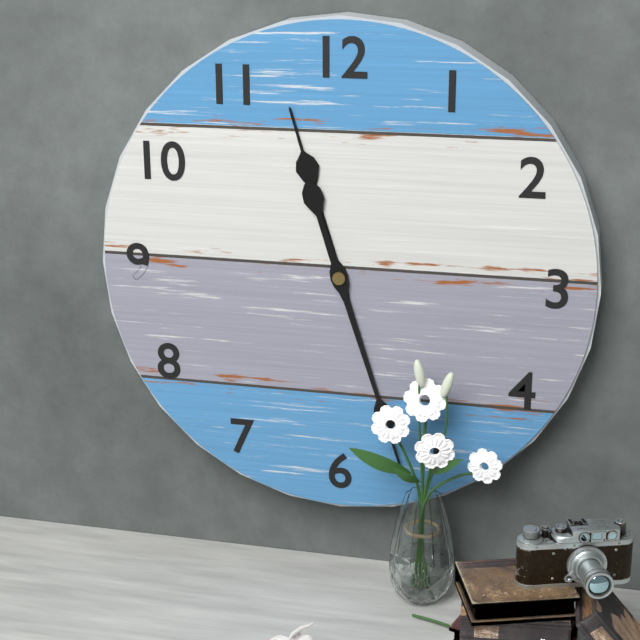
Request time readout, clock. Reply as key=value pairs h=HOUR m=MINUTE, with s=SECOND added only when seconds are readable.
h=11 m=27
